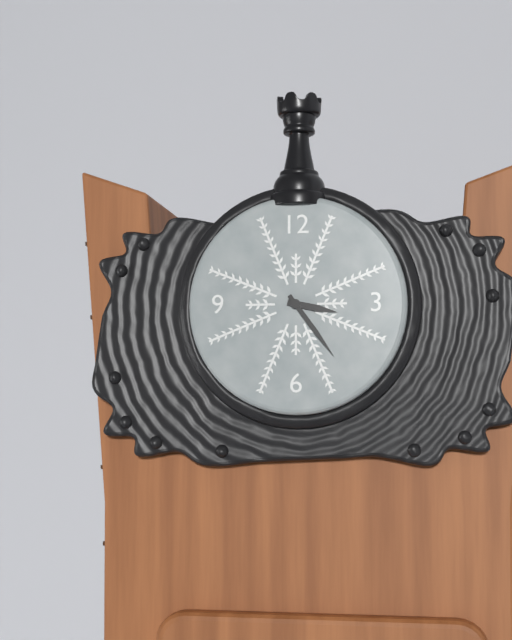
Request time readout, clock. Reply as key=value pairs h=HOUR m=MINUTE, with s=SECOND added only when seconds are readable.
h=3 m=24
